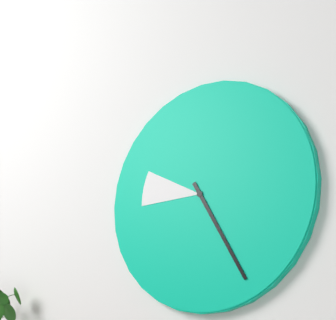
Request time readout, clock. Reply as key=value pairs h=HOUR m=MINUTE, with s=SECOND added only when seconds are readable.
h=9 m=25
